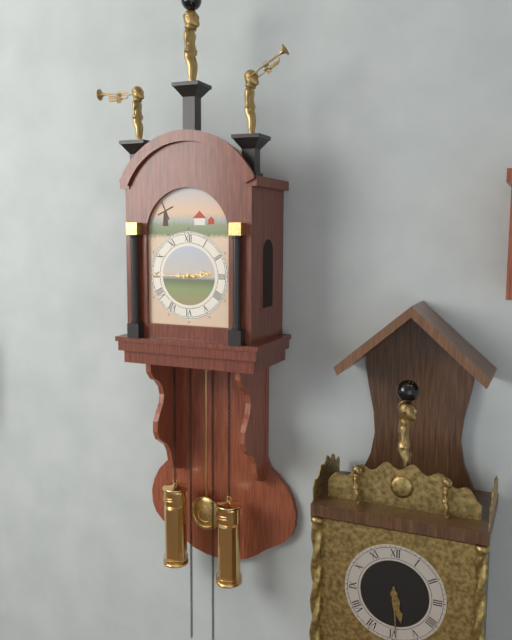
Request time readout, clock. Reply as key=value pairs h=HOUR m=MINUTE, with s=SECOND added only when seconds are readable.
h=2 m=45
